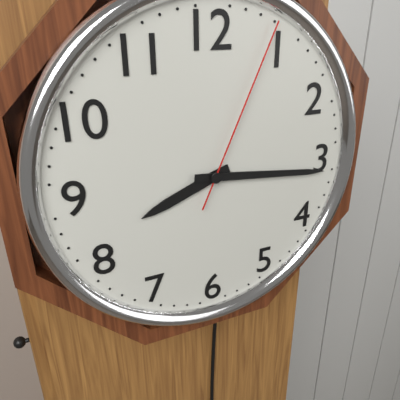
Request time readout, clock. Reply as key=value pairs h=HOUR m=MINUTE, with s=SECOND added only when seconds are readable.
h=8 m=16 s=4
